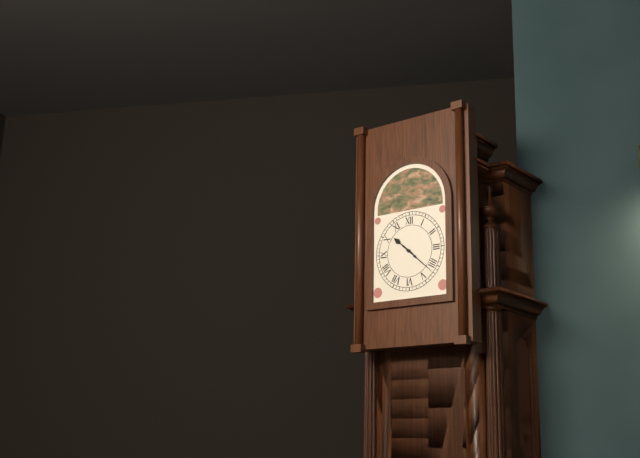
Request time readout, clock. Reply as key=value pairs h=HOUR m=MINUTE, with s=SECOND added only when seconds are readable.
h=10 m=22
